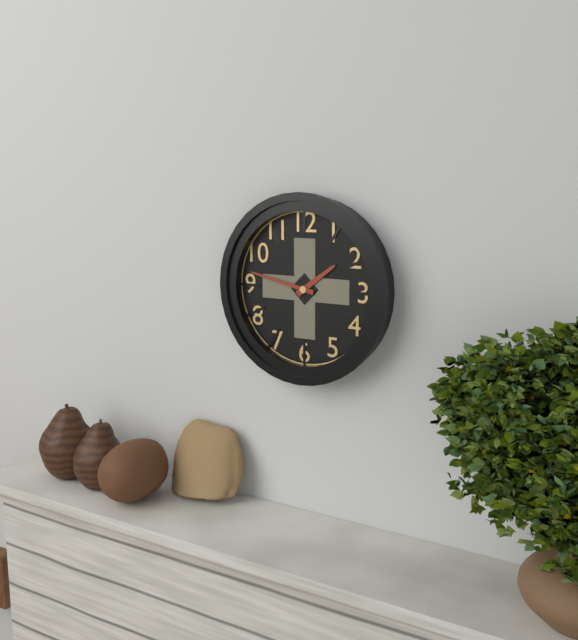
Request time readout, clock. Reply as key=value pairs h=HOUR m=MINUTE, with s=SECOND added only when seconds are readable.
h=1 m=47
